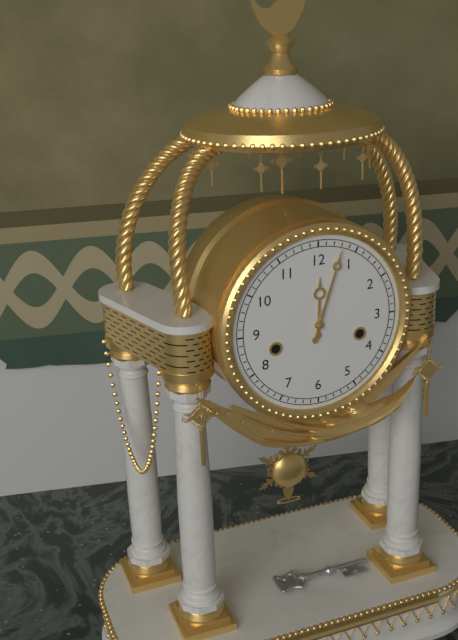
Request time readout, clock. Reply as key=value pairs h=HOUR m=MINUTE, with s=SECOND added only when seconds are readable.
h=12 m=3
